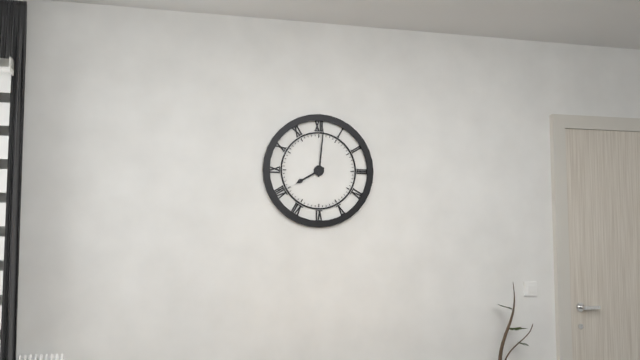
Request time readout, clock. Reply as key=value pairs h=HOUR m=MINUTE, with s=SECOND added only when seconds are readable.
h=8 m=1
